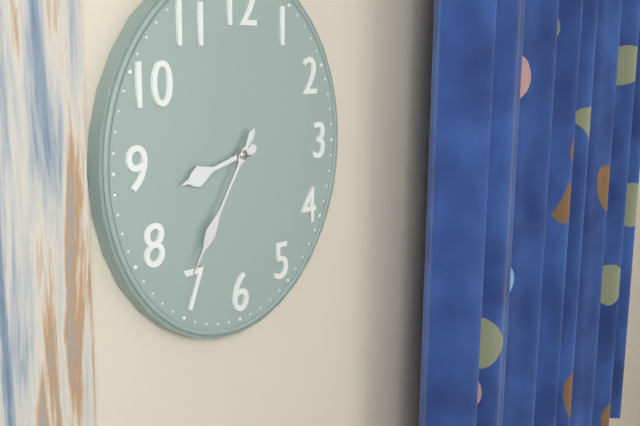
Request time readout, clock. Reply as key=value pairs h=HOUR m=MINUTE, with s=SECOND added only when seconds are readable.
h=8 m=36
